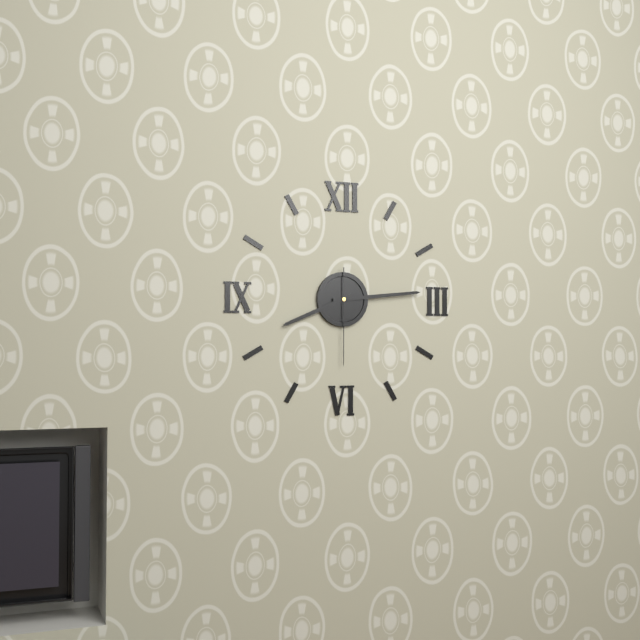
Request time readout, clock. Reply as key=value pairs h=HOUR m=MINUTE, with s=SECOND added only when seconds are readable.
h=8 m=14 s=30
